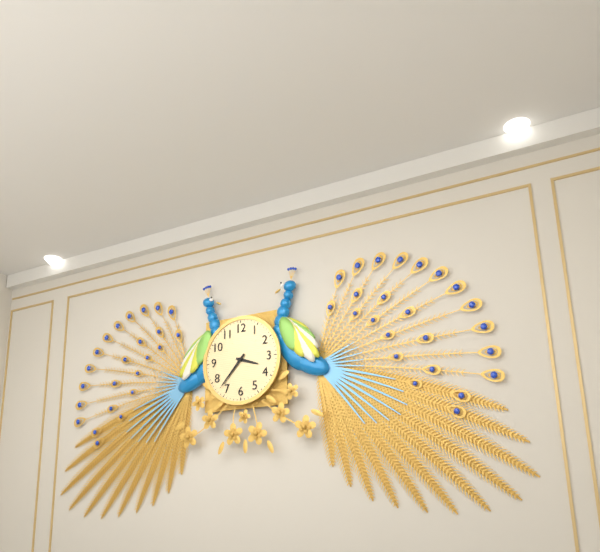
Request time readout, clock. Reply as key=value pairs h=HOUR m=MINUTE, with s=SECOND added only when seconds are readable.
h=3 m=37
